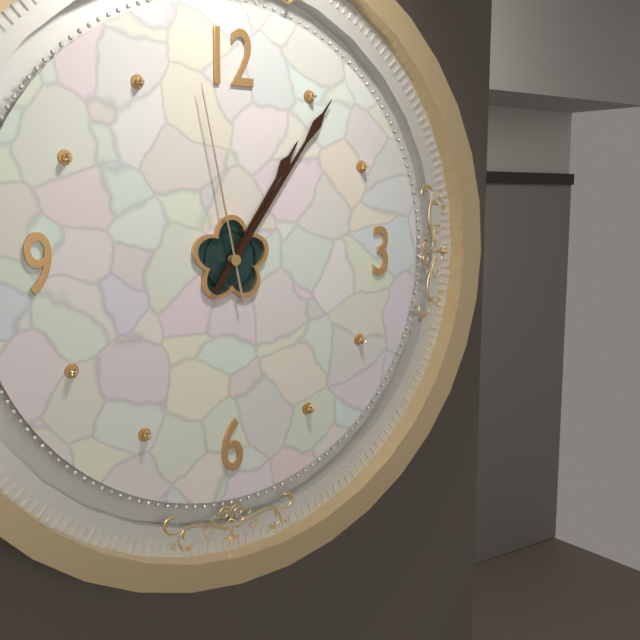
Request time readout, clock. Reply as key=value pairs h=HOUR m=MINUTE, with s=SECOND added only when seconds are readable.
h=1 m=6 s=58
